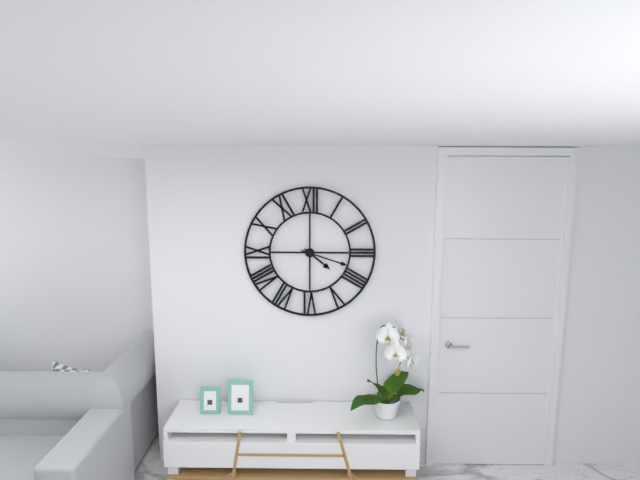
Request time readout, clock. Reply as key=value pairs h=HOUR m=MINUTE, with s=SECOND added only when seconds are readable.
h=4 m=18
